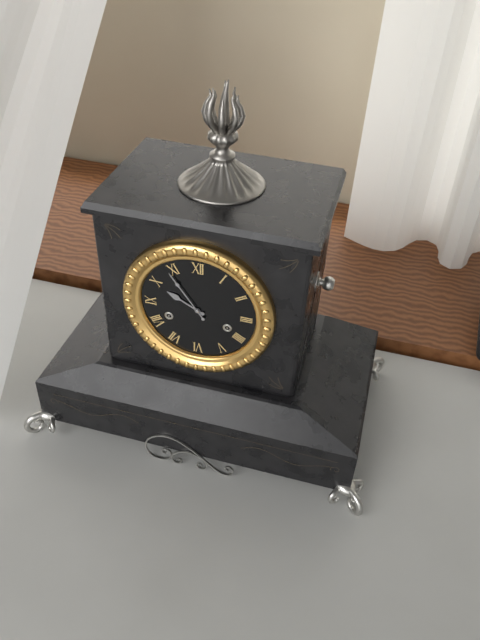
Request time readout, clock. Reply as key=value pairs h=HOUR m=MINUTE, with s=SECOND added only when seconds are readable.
h=9 m=54
